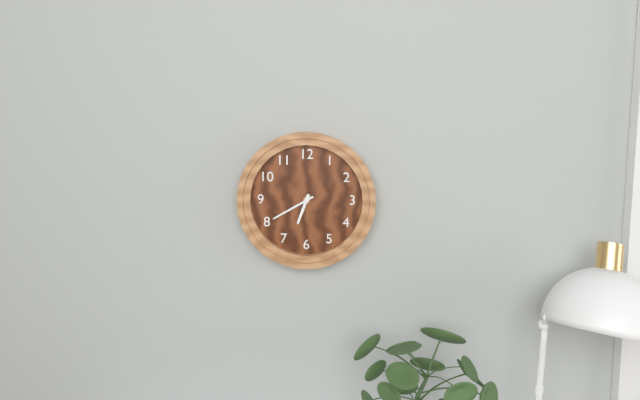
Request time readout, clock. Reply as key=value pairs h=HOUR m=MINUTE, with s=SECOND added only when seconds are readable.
h=6 m=40
